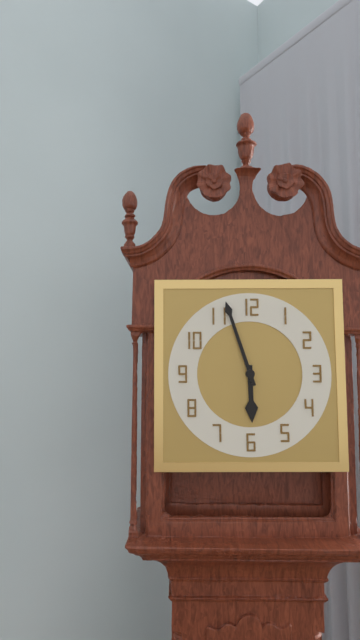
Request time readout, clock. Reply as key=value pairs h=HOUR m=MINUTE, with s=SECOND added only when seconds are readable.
h=5 m=57
